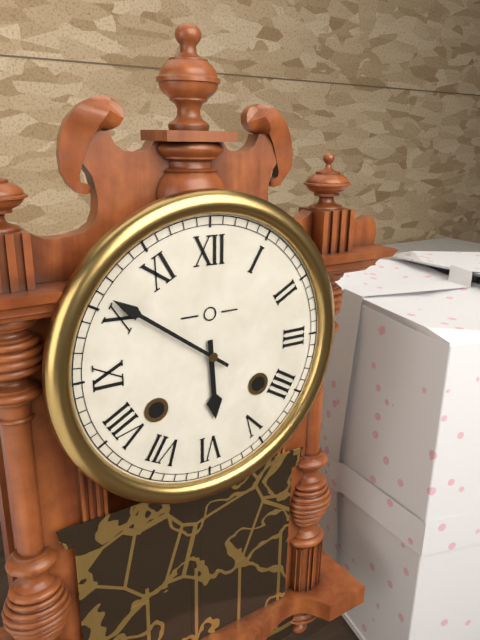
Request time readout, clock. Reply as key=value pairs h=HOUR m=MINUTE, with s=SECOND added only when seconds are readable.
h=5 m=51
